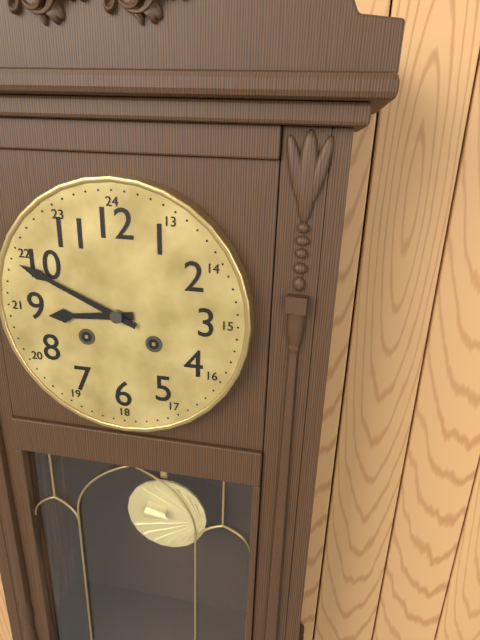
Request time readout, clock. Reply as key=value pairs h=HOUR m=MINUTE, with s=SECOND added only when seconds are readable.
h=8 m=49
